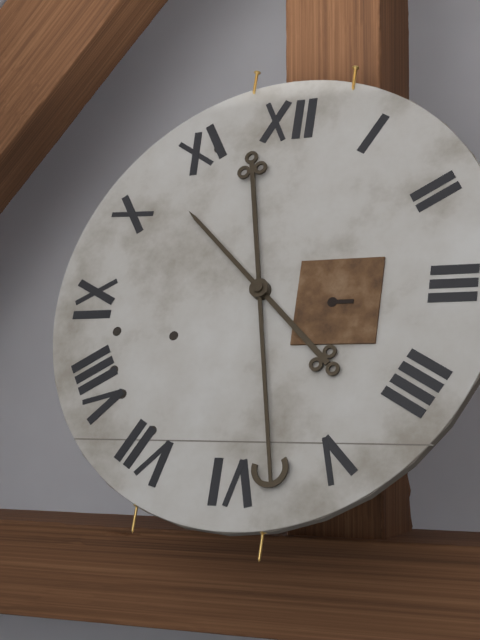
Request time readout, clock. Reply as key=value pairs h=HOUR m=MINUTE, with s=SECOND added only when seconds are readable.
h=10 m=28
